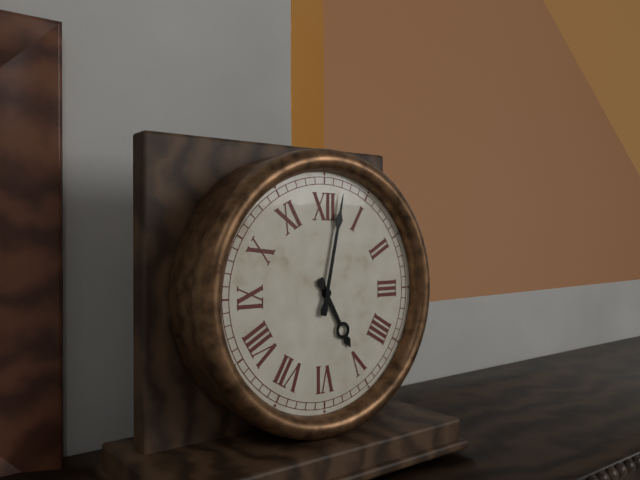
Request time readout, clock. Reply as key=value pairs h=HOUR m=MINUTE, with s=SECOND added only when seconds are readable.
h=5 m=2
